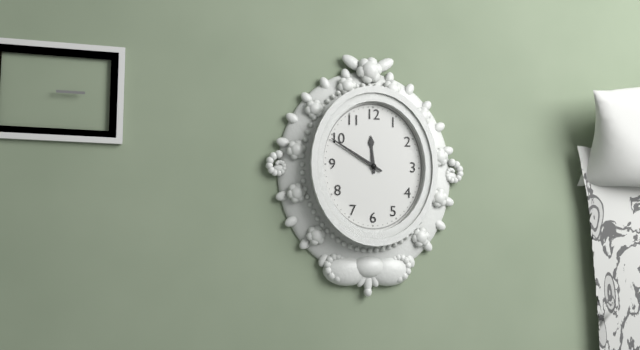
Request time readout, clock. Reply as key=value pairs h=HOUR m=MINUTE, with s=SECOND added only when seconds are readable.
h=11 m=50
